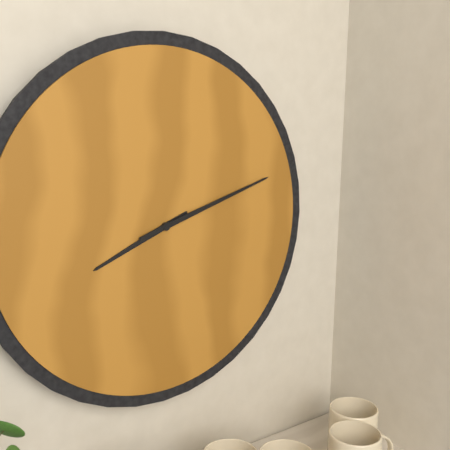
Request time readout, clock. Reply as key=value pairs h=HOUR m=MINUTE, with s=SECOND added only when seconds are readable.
h=8 m=12
